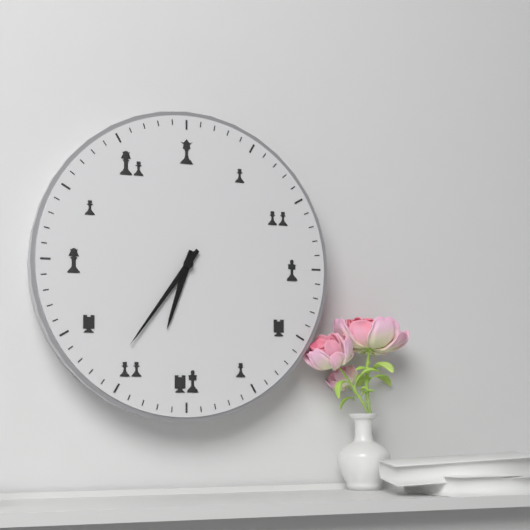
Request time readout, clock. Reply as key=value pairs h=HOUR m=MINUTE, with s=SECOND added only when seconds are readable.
h=6 m=36
